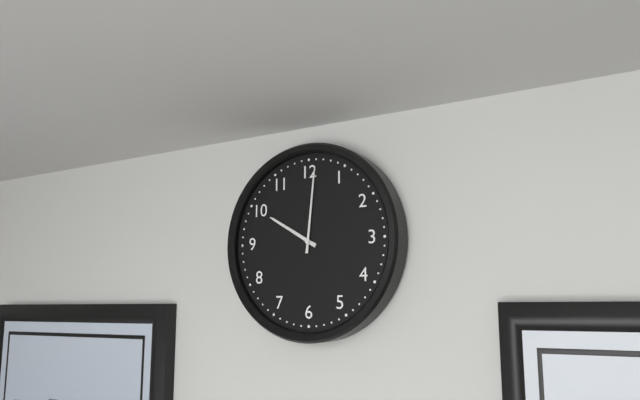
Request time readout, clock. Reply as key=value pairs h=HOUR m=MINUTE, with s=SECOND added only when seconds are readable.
h=10 m=1
